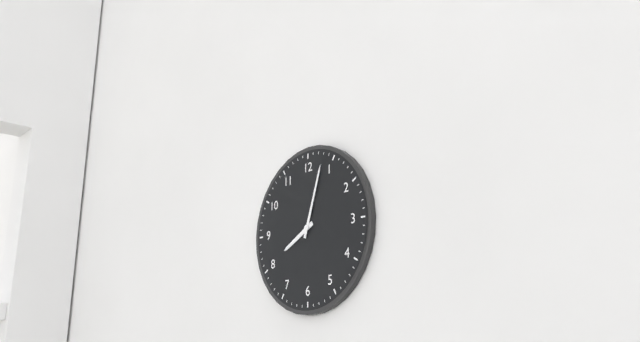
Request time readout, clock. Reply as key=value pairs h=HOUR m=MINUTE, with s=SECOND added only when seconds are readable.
h=8 m=3
